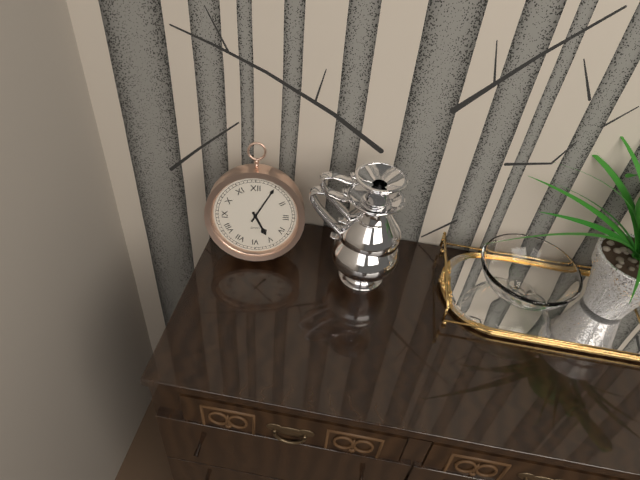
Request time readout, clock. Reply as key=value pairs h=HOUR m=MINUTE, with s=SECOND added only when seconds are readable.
h=5 m=5
